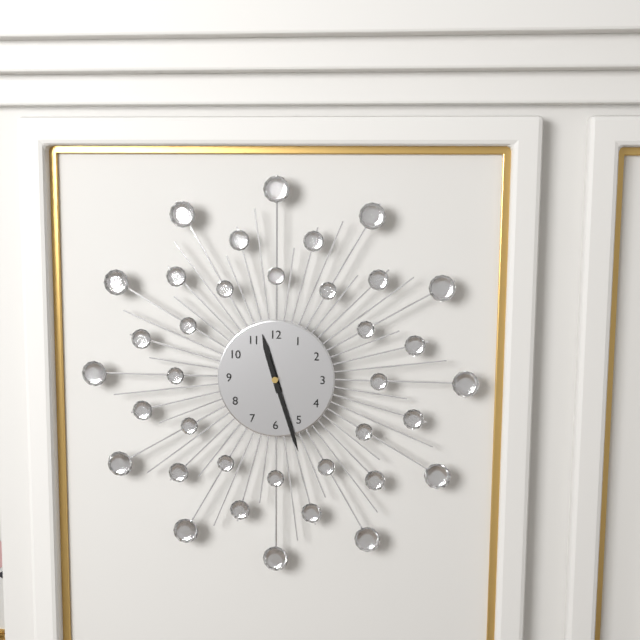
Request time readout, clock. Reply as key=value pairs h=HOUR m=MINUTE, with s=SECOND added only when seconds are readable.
h=11 m=27
